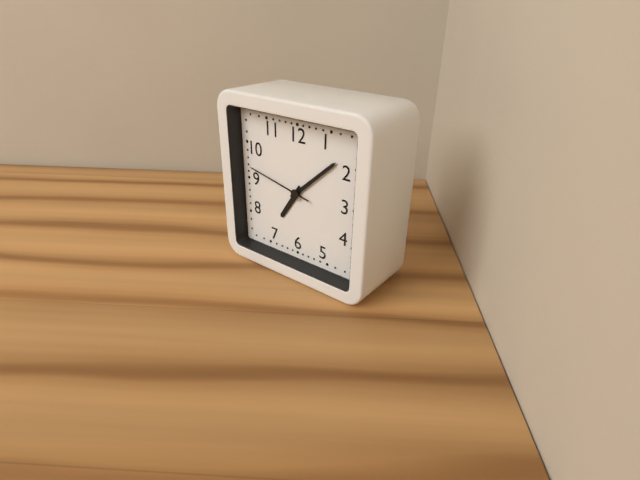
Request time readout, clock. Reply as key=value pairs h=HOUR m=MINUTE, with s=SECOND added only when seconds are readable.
h=7 m=8 s=47
